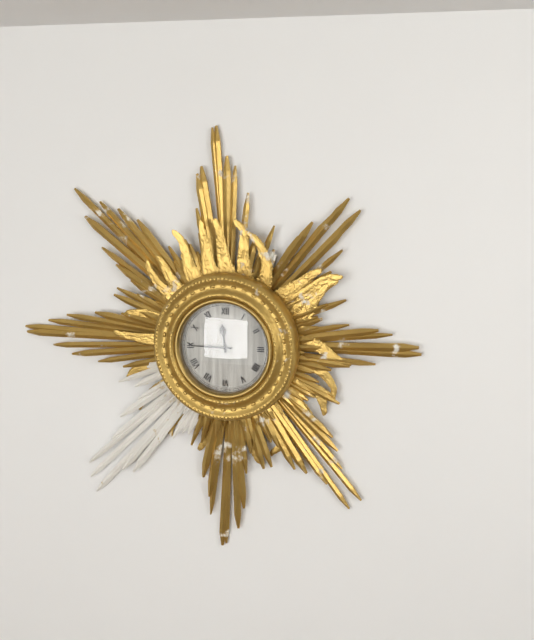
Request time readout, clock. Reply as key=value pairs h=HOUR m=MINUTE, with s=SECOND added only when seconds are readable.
h=11 m=45
